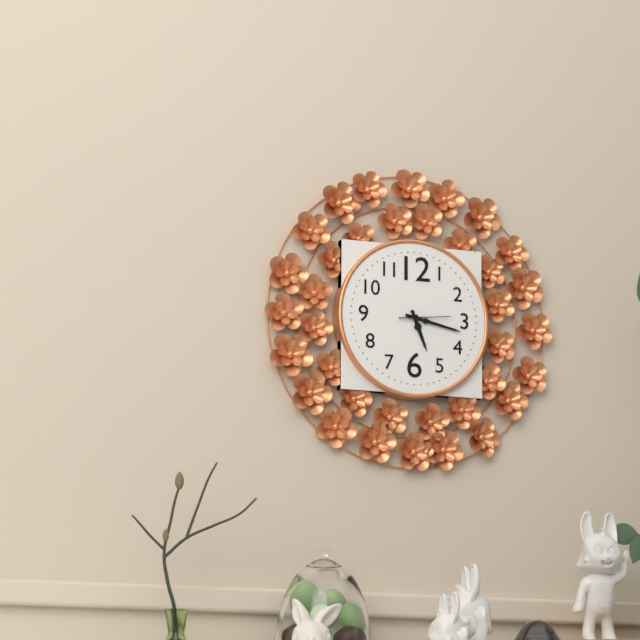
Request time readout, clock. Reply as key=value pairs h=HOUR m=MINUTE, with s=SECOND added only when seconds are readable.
h=5 m=17
